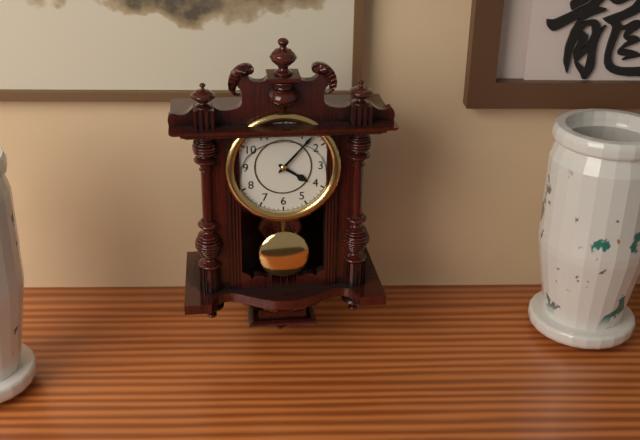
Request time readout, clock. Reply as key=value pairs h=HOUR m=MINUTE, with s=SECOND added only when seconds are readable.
h=4 m=7
